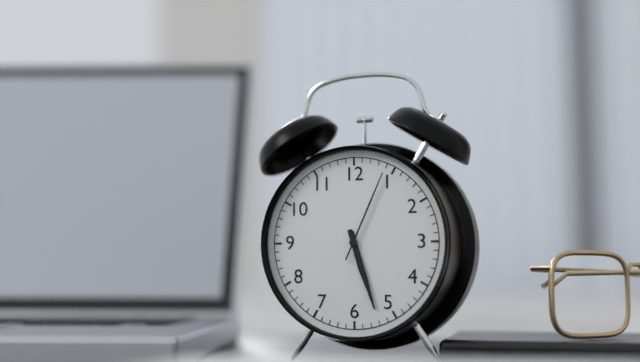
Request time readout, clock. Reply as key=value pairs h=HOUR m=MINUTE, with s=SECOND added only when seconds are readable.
h=5 m=27 s=4
